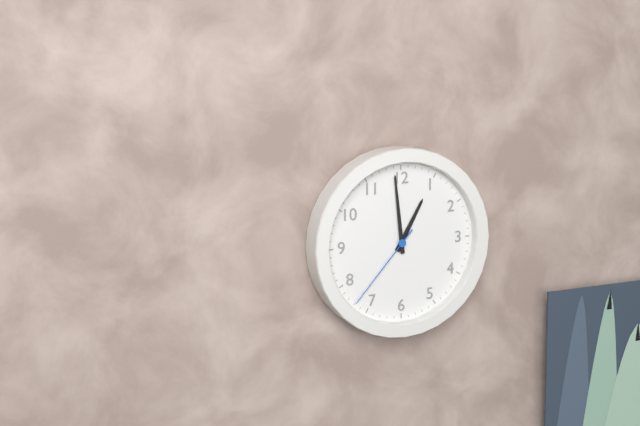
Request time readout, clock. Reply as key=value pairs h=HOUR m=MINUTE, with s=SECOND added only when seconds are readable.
h=12 m=59 s=37
